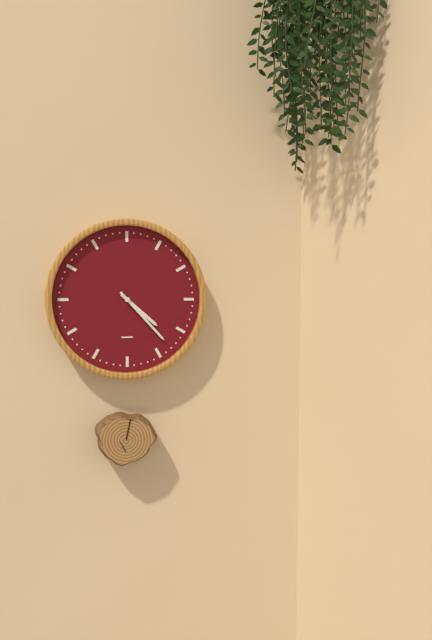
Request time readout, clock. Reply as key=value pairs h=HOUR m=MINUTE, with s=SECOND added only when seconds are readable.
h=4 m=23
